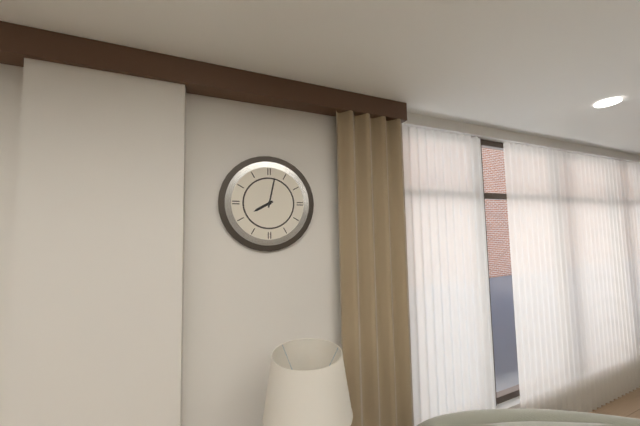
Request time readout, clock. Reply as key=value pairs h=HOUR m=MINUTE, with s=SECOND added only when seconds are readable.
h=8 m=2
